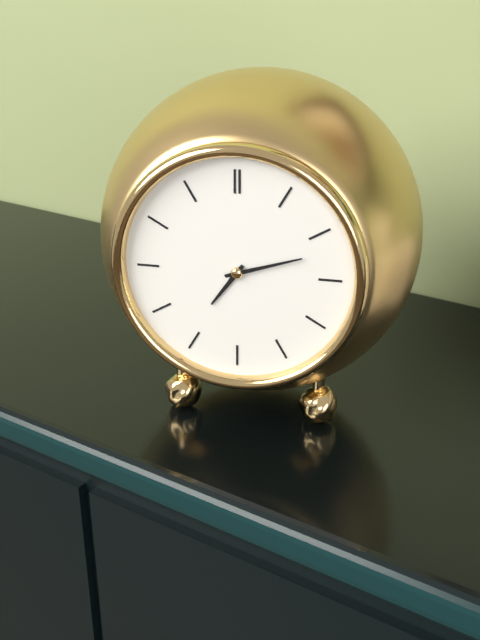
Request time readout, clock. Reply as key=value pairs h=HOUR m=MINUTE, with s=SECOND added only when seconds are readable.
h=7 m=12
